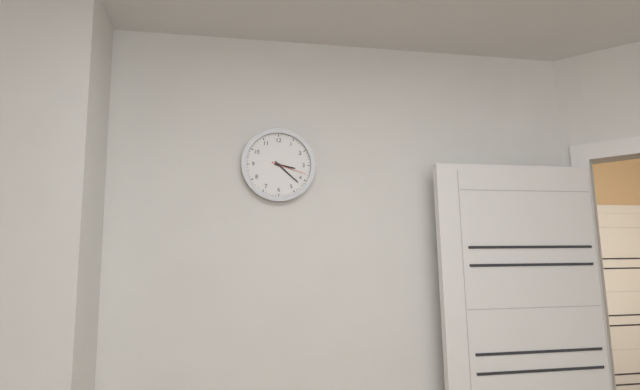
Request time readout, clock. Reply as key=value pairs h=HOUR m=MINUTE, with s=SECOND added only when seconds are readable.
h=3 m=22
